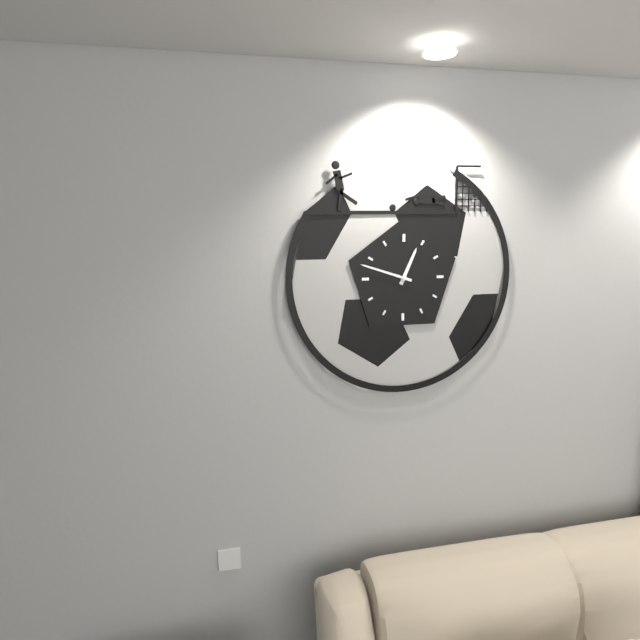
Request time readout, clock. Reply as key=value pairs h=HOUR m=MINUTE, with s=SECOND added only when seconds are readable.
h=12 m=48
